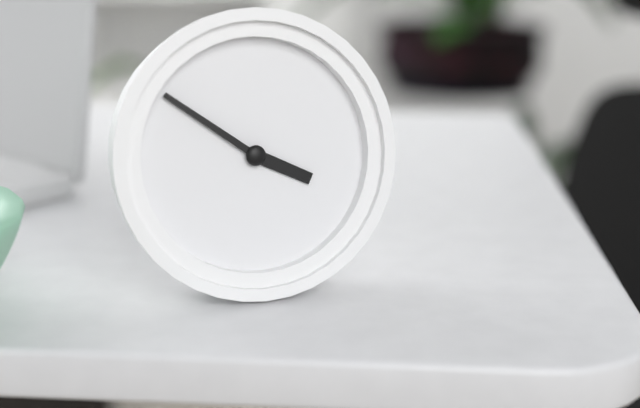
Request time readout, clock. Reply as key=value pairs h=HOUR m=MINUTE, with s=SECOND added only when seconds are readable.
h=3 m=51
